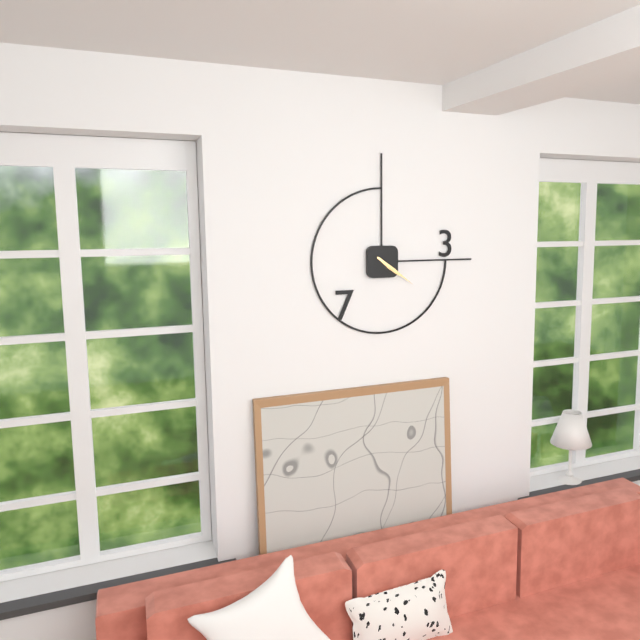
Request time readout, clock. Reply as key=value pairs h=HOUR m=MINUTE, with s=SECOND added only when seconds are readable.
h=4 m=21
